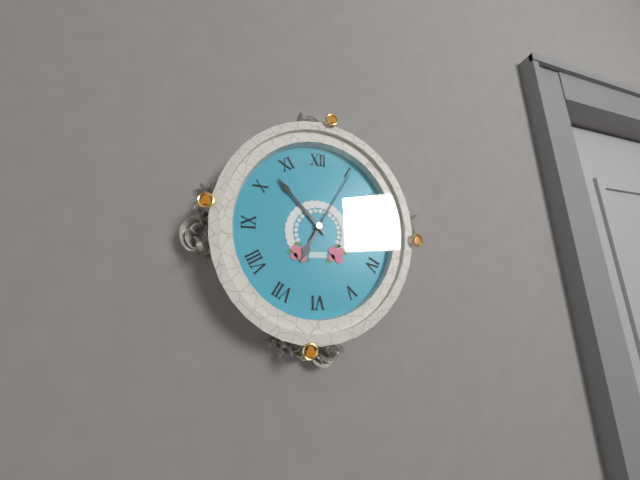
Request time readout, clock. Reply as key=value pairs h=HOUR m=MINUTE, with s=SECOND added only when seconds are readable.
h=6 m=53 s=5
